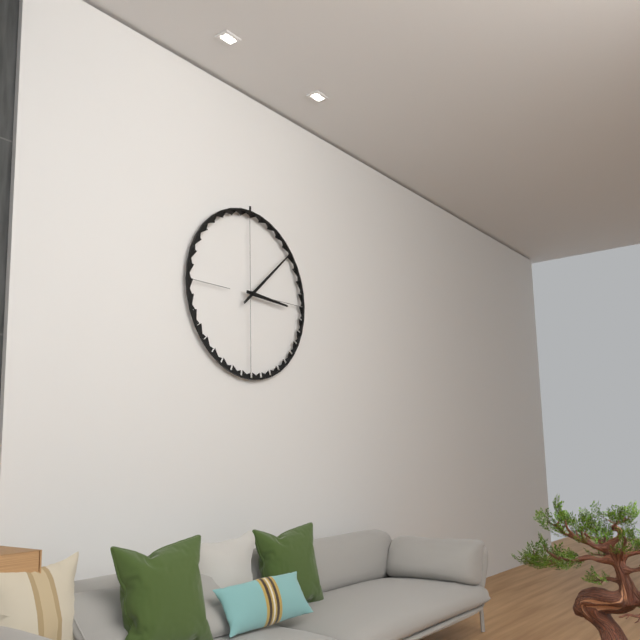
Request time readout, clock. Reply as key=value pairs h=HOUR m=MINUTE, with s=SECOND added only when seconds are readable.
h=3 m=8
